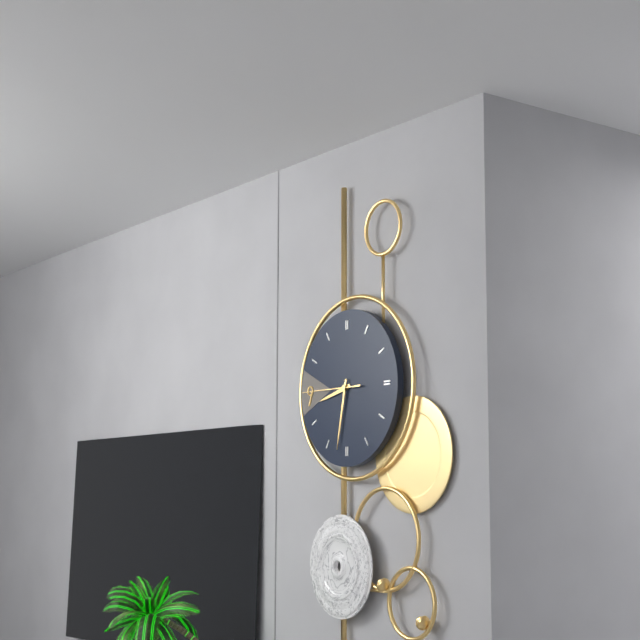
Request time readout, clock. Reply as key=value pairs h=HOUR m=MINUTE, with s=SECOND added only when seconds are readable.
h=8 m=32 s=45
